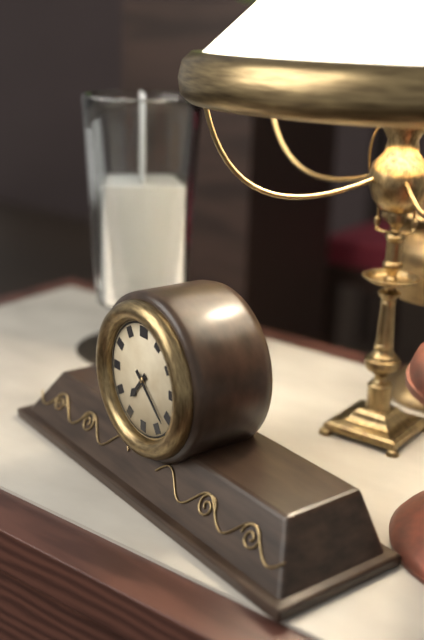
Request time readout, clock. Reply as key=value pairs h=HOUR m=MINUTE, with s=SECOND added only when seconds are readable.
h=7 m=22
